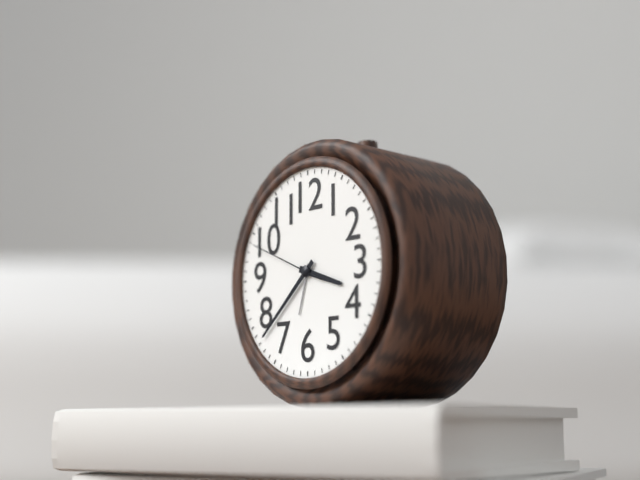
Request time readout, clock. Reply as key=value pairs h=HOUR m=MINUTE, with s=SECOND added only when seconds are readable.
h=3 m=38 s=49
